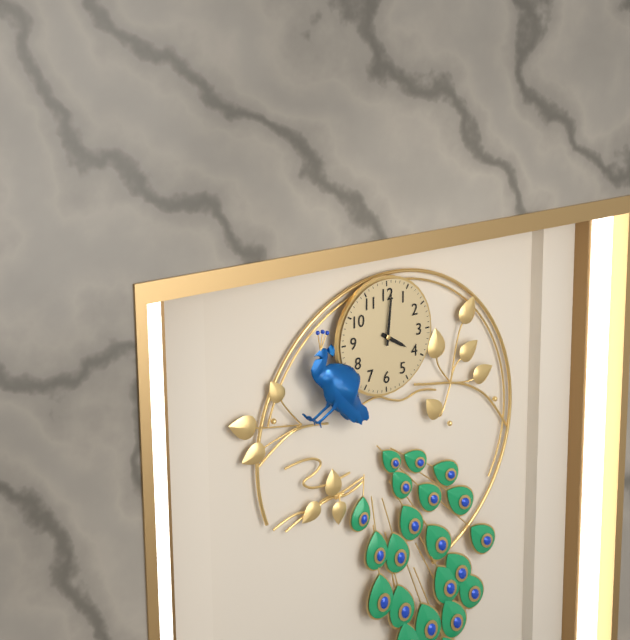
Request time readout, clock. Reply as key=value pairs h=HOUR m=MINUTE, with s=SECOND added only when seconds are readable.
h=4 m=1
